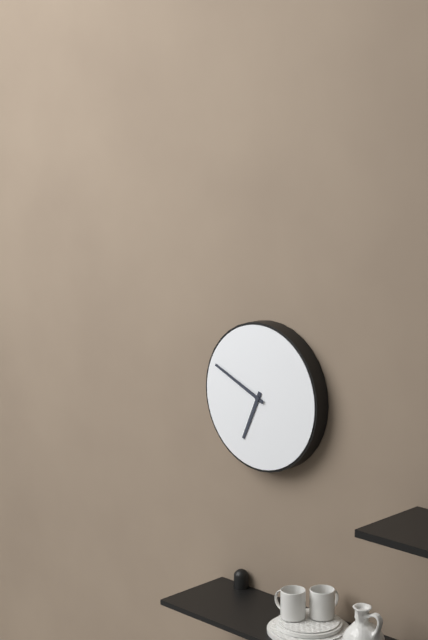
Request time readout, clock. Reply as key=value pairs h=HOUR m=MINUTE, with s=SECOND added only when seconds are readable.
h=6 m=49
